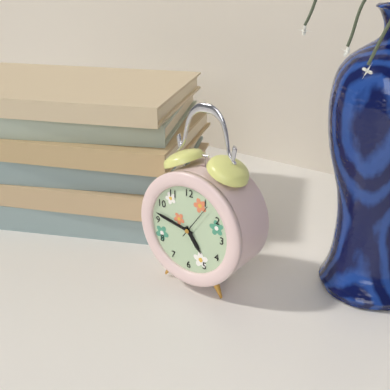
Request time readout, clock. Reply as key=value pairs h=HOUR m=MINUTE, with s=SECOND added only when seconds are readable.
h=4 m=47
